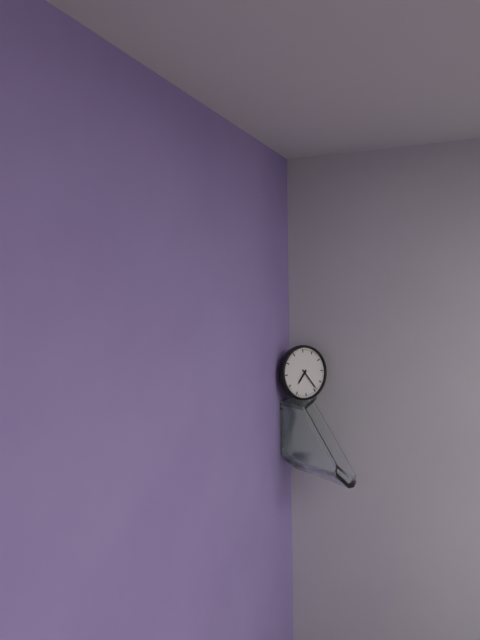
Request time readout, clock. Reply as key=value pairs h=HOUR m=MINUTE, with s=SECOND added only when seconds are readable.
h=7 m=24
